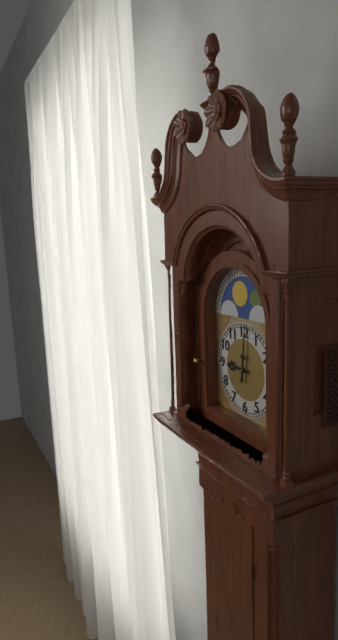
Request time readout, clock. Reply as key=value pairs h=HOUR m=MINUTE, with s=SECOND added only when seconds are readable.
h=9 m=1
